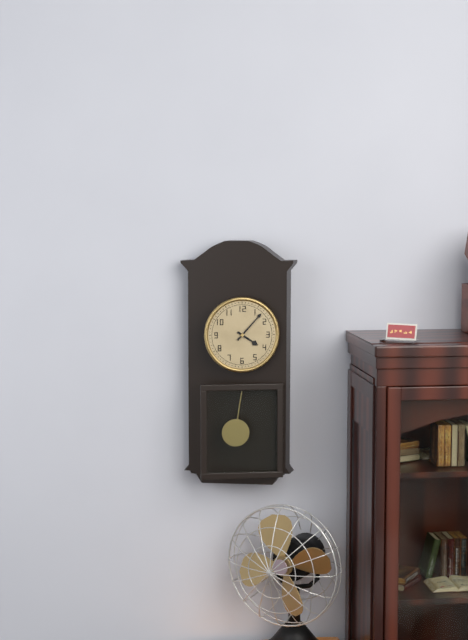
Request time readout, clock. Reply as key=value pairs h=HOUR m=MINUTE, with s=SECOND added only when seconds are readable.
h=4 m=7
